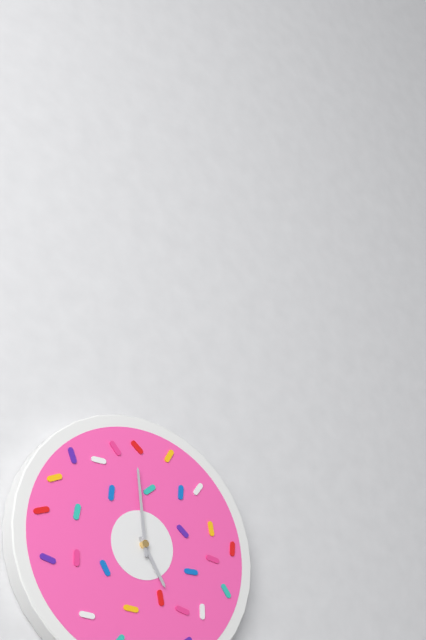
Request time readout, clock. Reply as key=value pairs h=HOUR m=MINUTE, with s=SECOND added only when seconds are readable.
h=4 m=59
